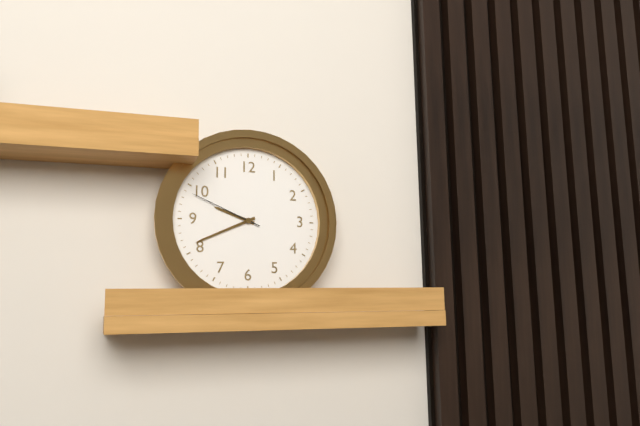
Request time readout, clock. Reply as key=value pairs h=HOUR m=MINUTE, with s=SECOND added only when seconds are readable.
h=9 m=41 s=49
